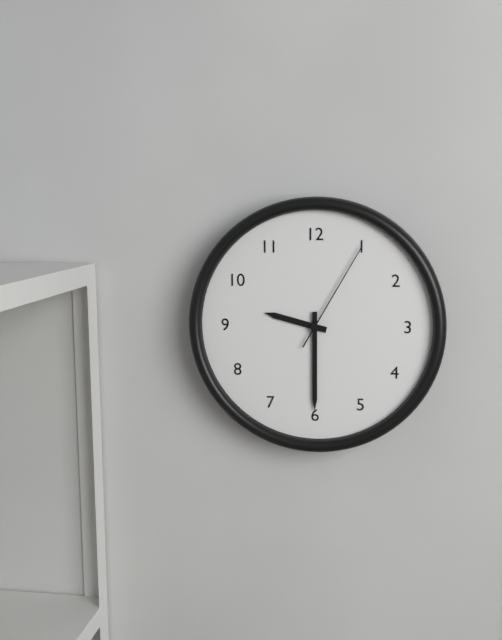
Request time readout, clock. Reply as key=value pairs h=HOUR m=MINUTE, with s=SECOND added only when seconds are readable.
h=9 m=30 s=5
